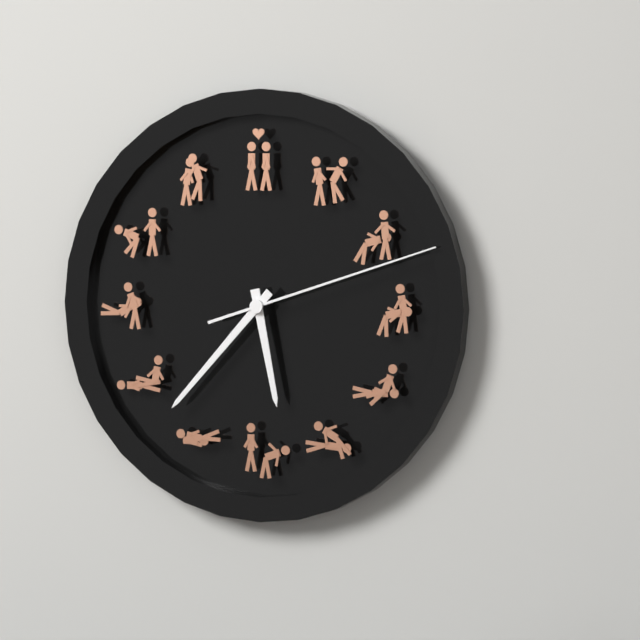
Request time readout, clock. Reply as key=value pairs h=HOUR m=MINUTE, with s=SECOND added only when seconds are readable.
h=5 m=37 s=12
